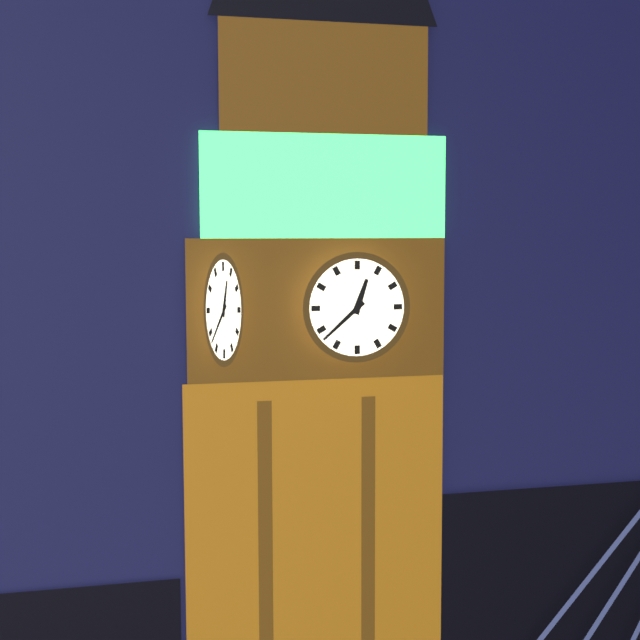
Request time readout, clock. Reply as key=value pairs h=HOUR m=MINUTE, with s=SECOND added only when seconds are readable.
h=12 m=38
